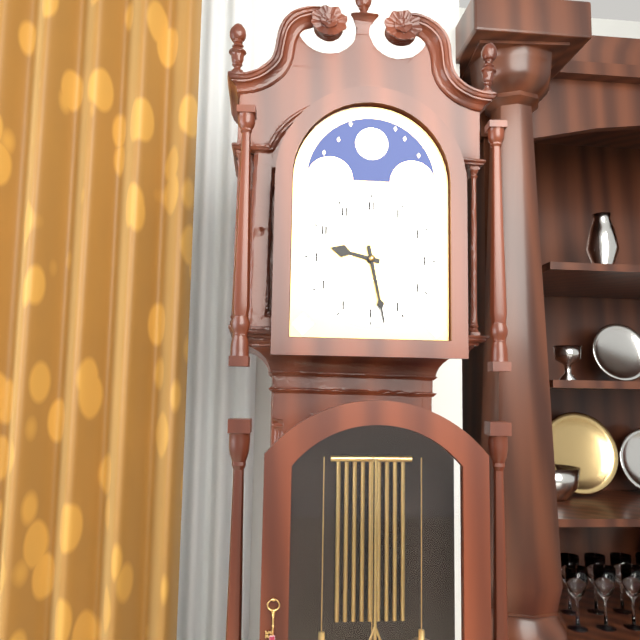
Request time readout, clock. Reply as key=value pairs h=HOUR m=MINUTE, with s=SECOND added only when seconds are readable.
h=9 m=28
